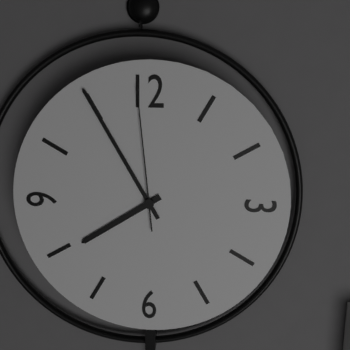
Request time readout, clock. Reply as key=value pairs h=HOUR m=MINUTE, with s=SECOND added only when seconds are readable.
h=7 m=55 s=59
